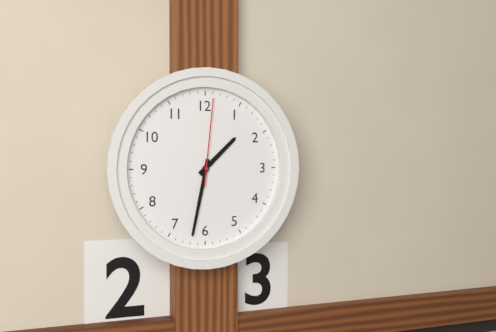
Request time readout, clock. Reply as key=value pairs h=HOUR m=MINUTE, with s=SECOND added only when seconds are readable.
h=1 m=32 s=1
